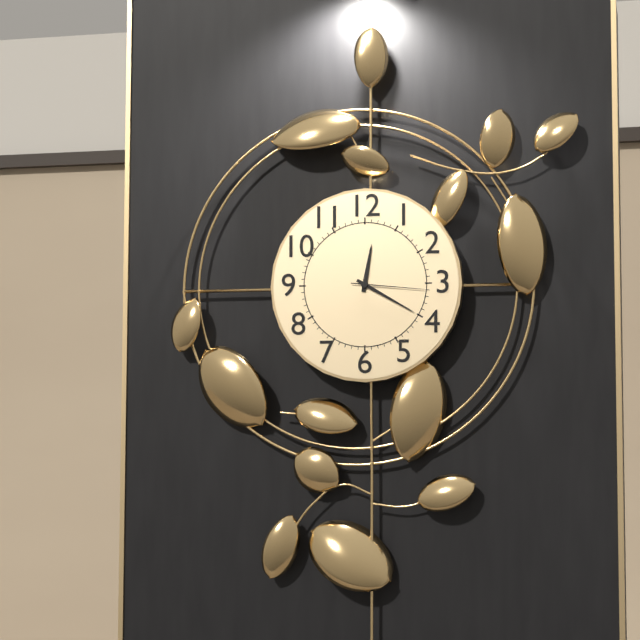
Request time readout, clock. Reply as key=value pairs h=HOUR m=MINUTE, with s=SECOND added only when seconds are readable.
h=12 m=20 s=16
